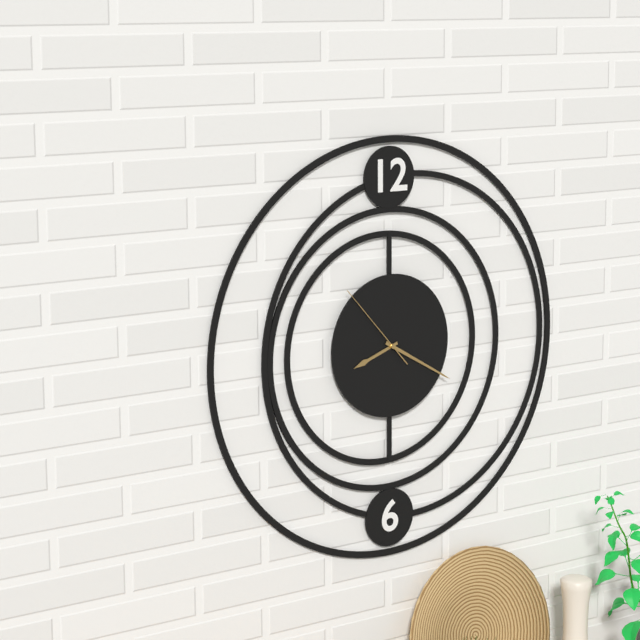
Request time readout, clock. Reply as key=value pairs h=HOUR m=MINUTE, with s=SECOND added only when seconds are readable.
h=8 m=20 s=53
